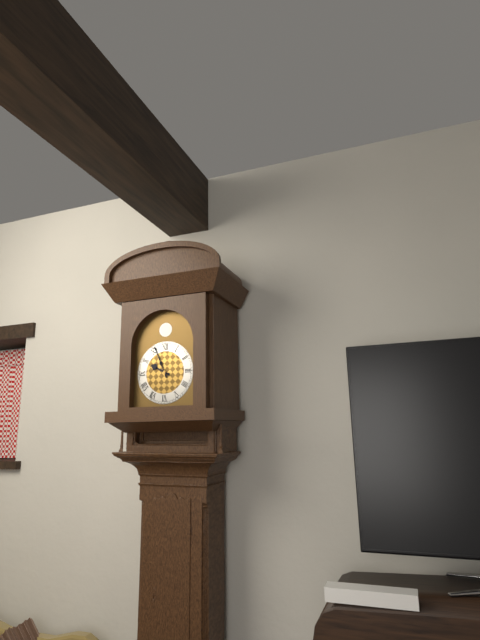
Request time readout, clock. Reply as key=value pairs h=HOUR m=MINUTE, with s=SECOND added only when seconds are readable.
h=9 m=56
